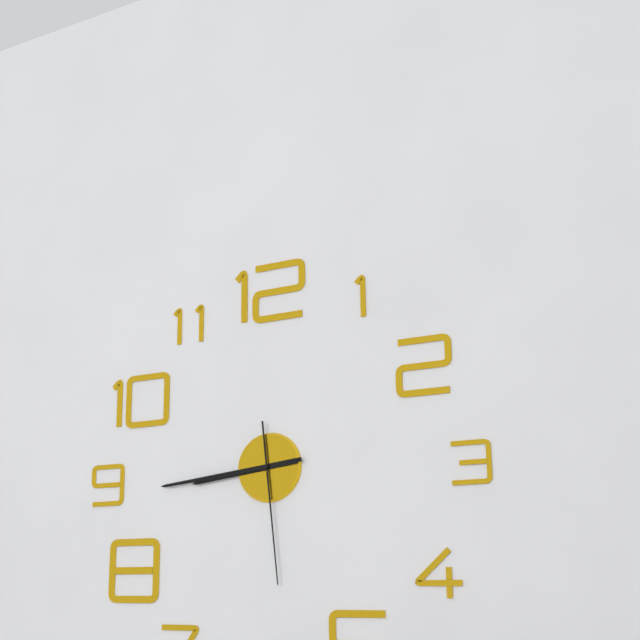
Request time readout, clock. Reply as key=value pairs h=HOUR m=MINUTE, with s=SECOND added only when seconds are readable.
h=8 m=44 s=29
